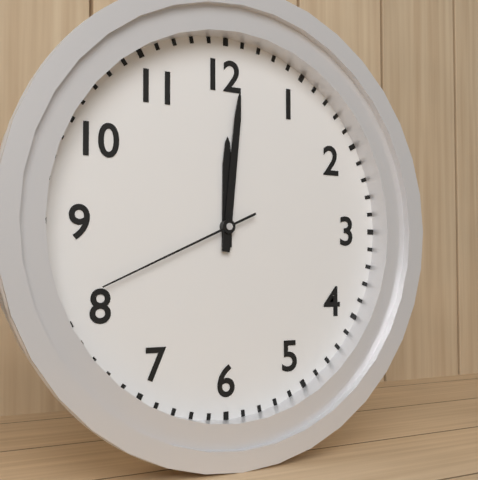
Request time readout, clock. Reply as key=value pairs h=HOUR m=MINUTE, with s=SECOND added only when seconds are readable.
h=12 m=1 s=41
